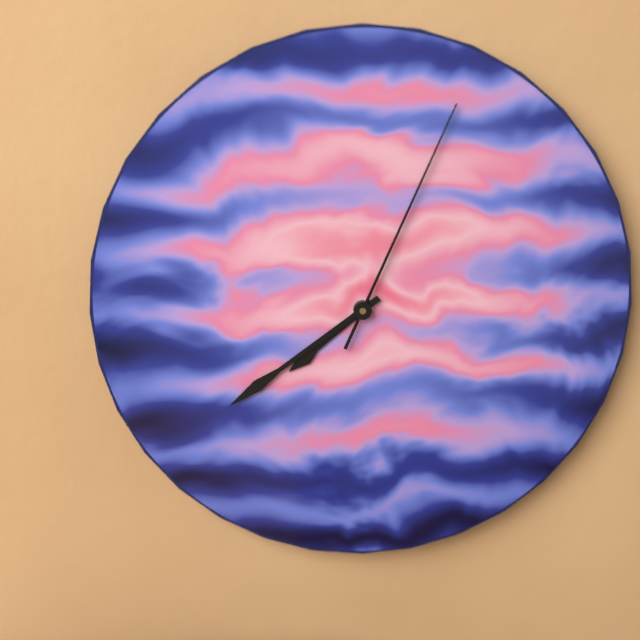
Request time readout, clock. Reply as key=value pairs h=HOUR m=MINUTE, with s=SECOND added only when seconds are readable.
h=7 m=39 s=4
